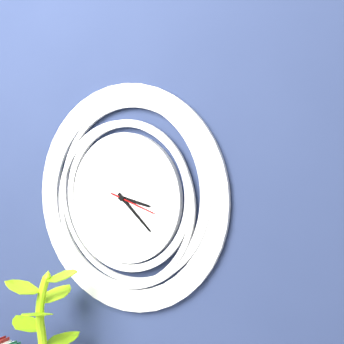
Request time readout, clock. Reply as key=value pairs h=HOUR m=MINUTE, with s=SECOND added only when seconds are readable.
h=3 m=22
